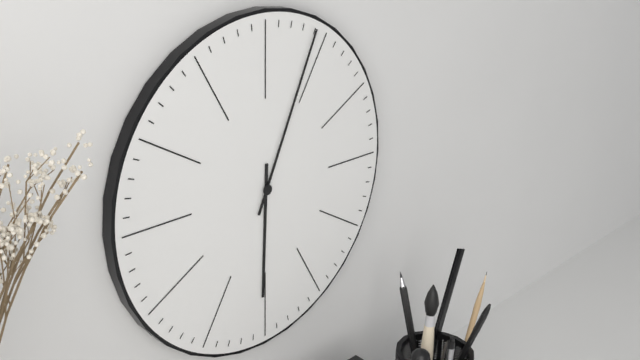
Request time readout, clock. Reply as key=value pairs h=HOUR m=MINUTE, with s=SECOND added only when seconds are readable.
h=6 m=4
